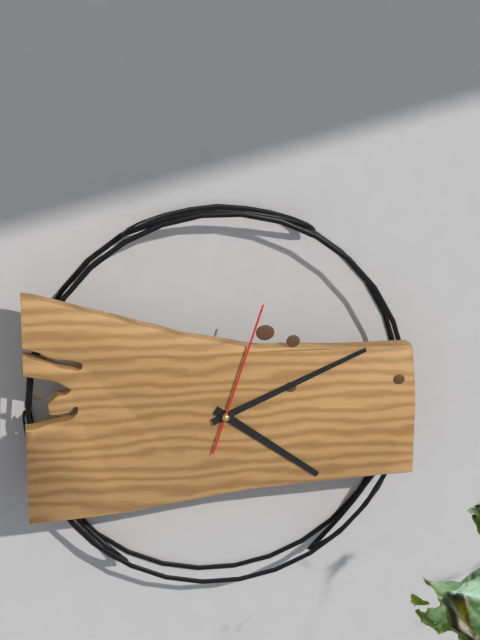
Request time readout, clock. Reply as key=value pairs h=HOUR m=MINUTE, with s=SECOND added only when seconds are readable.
h=4 m=11 s=3
